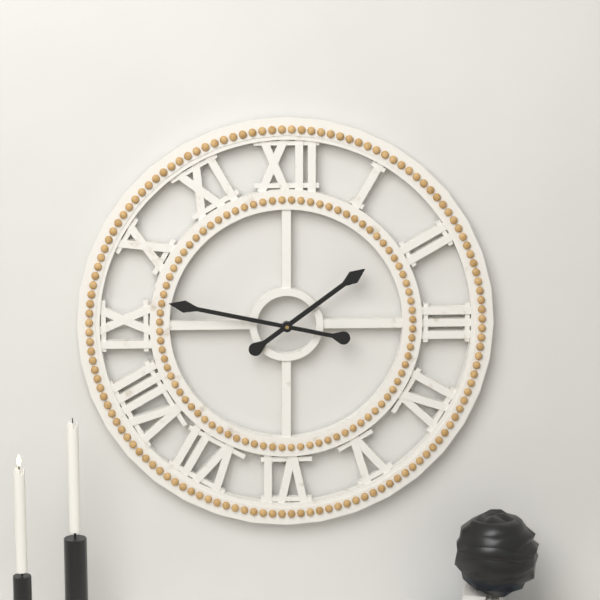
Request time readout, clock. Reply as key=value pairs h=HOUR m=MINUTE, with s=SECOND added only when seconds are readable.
h=1 m=47
